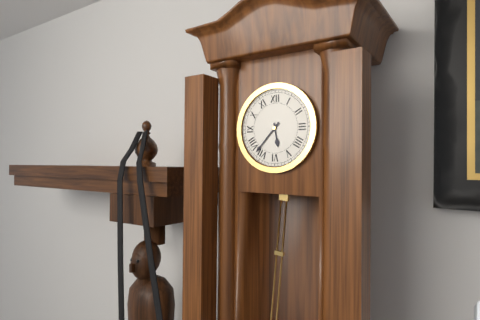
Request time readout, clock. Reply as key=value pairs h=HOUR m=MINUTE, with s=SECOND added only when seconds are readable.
h=5 m=37
